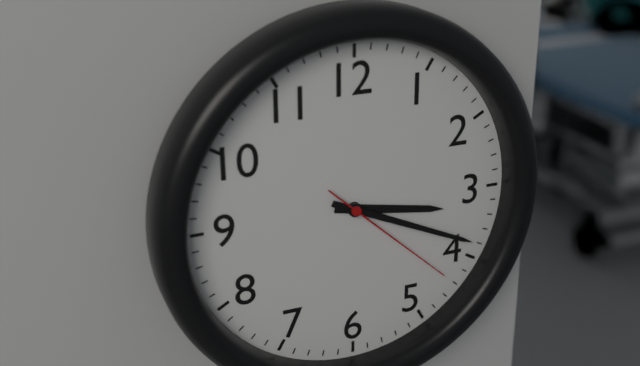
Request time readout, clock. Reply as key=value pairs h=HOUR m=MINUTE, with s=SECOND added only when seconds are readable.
h=3 m=19 s=22
